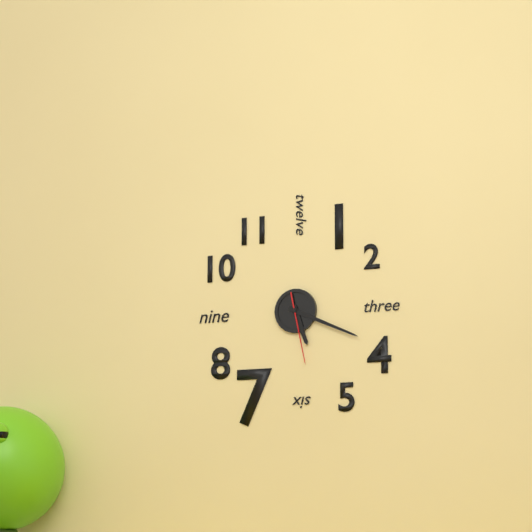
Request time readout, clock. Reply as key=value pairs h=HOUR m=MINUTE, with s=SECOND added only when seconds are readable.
h=5 m=19 s=28
